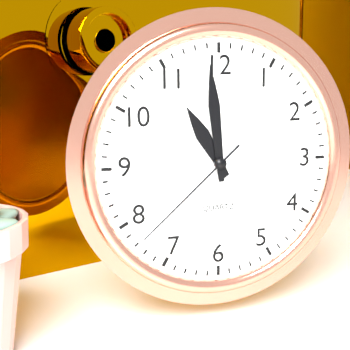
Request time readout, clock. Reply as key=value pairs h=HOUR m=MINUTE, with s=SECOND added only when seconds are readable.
h=10 m=59 s=38
